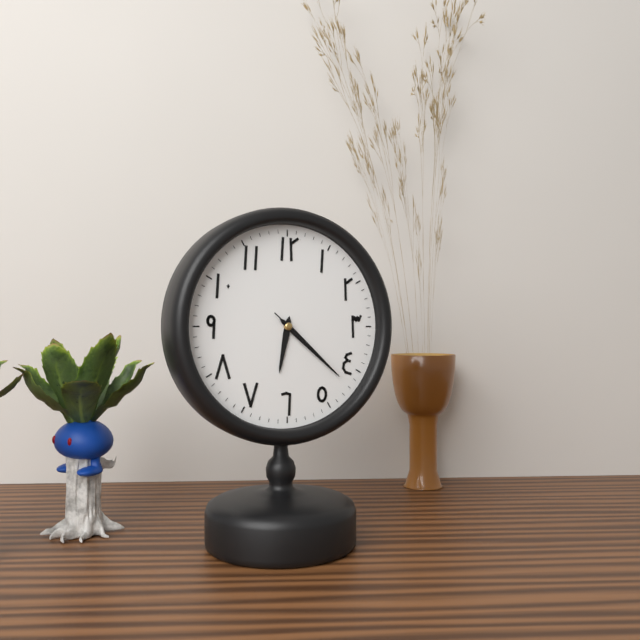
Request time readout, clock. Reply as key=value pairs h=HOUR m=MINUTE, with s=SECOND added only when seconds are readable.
h=6 m=22 s=22
